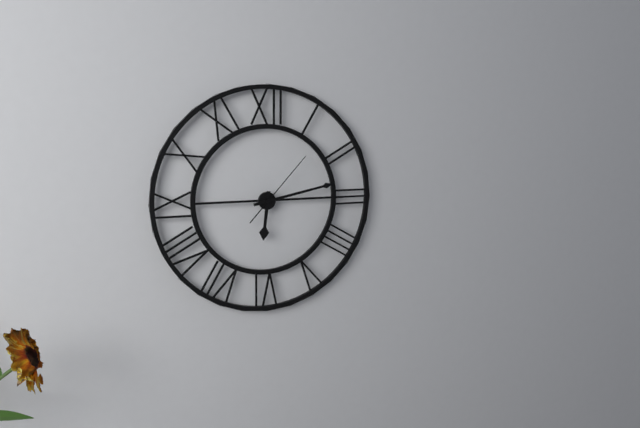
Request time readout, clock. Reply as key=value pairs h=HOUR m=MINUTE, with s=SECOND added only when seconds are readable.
h=6 m=13 s=7
